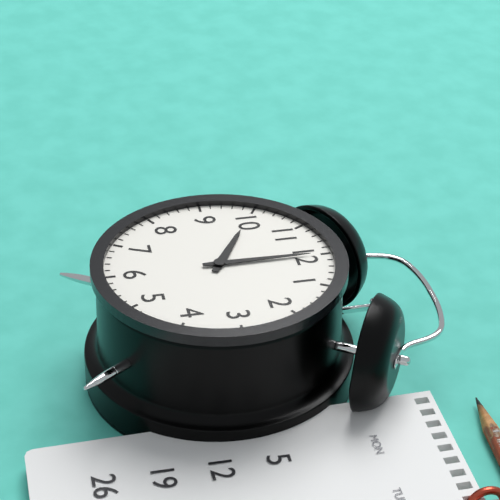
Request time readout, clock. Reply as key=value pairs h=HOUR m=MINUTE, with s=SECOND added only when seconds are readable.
h=10 m=0
